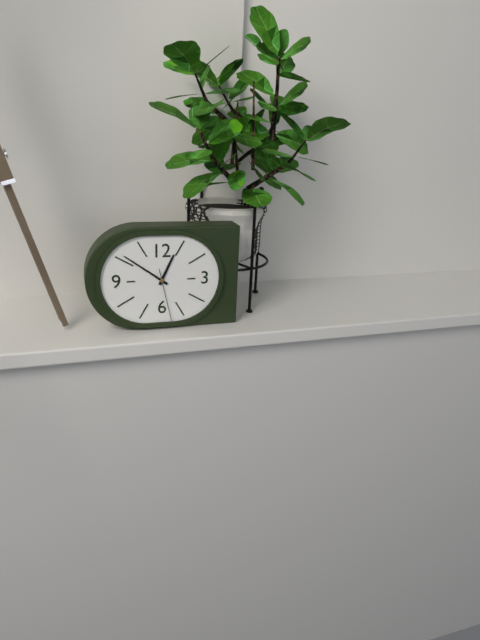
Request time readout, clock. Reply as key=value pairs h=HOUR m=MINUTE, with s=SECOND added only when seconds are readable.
h=12 m=51 s=28
